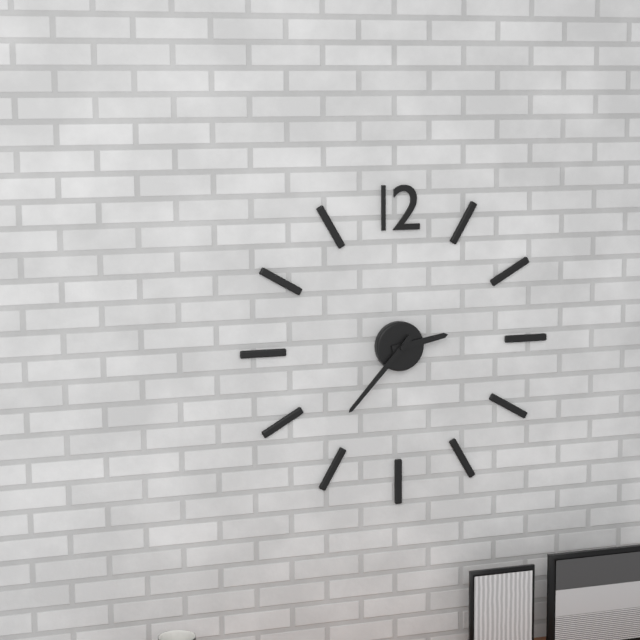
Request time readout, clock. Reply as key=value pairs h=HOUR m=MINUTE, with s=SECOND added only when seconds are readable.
h=2 m=37
